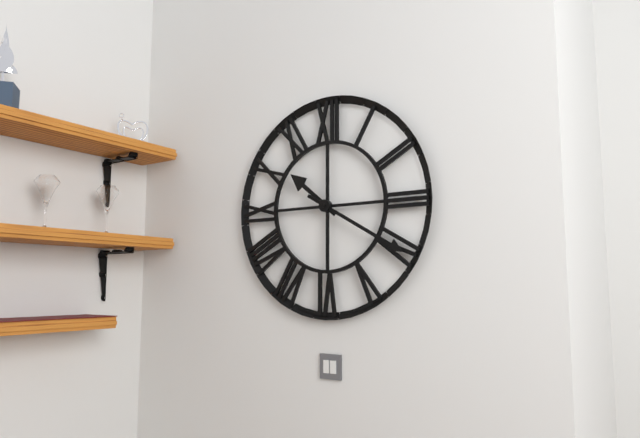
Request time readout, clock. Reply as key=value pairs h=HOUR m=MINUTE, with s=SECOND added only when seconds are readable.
h=10 m=20
